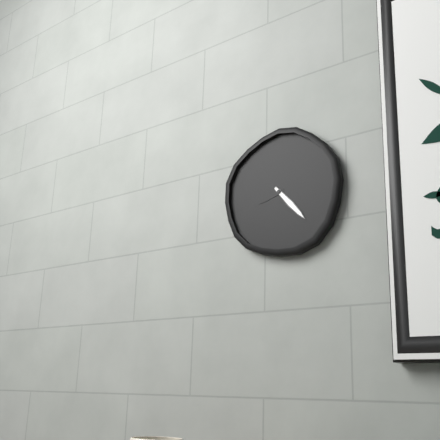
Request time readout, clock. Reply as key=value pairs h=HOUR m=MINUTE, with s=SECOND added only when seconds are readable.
h=8 m=23
